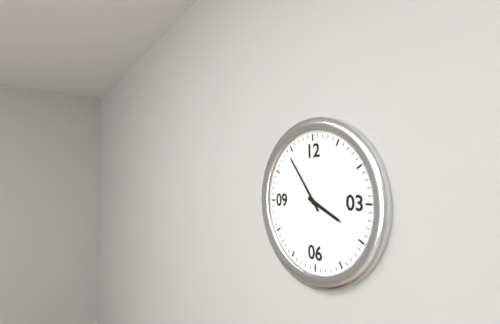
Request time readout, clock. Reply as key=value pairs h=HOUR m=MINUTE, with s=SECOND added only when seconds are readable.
h=3 m=54
